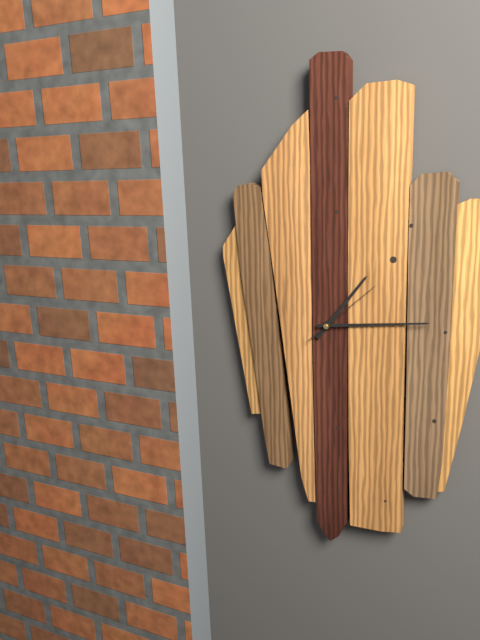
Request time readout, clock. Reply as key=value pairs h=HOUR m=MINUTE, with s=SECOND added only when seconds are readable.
h=1 m=14 s=8
